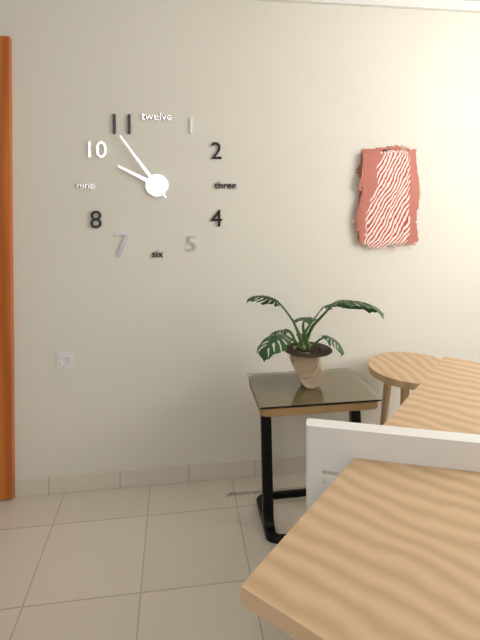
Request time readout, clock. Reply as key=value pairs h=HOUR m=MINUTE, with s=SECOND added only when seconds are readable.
h=9 m=54
